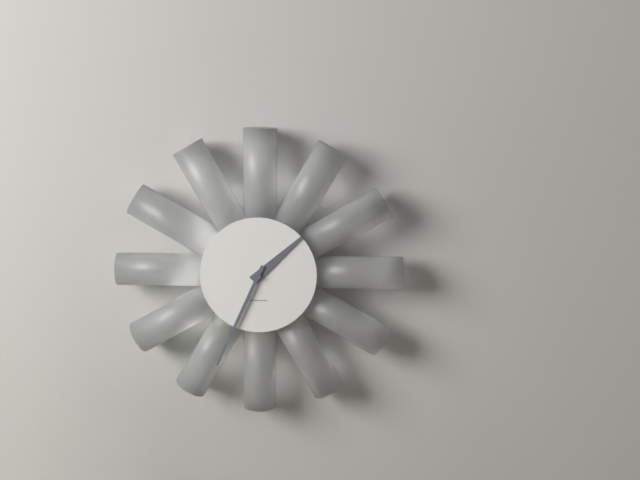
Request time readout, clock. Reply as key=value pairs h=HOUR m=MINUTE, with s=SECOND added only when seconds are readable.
h=1 m=34
